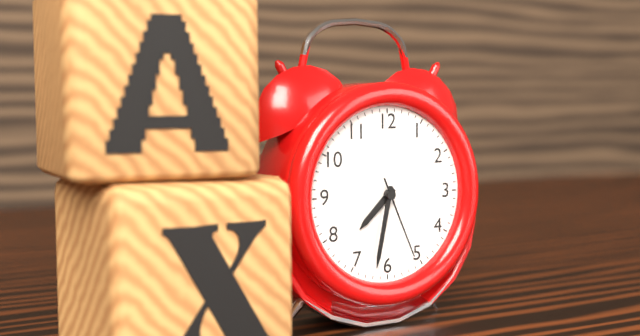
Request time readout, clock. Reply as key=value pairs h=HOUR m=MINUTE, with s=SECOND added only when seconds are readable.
h=7 m=32 s=26
